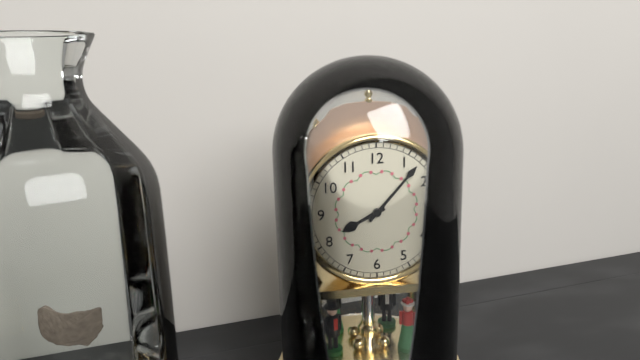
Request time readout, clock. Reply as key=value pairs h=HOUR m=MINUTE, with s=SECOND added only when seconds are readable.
h=8 m=7
